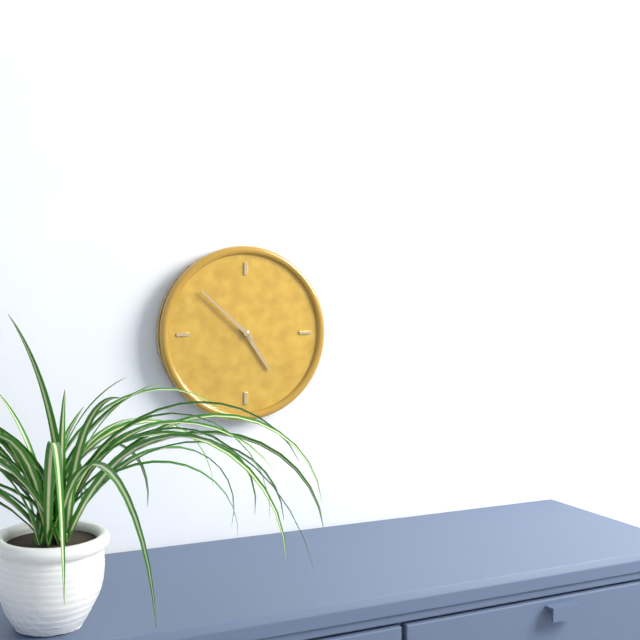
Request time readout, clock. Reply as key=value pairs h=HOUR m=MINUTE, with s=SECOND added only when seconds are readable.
h=4 m=52
